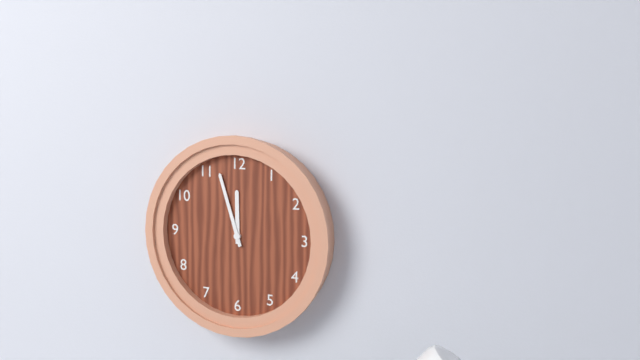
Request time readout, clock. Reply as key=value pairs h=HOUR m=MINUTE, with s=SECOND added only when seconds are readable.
h=11 m=57
